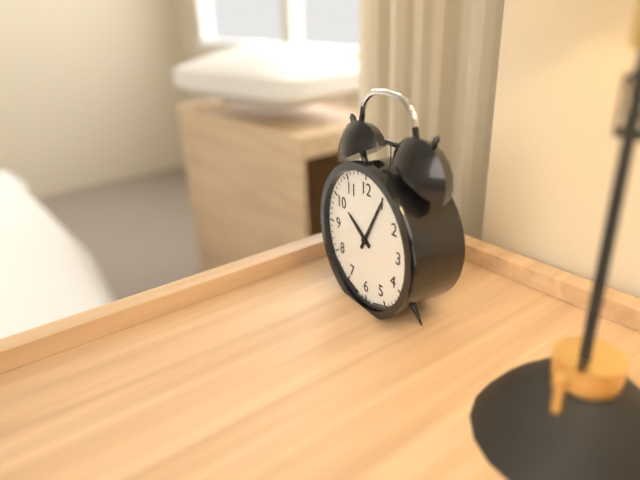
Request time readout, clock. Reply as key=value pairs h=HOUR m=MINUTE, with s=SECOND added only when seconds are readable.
h=10 m=5
